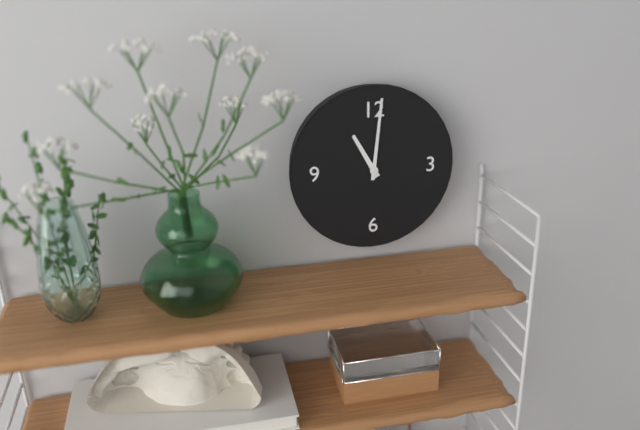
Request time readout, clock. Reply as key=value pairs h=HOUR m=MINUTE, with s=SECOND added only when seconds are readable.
h=11 m=1
